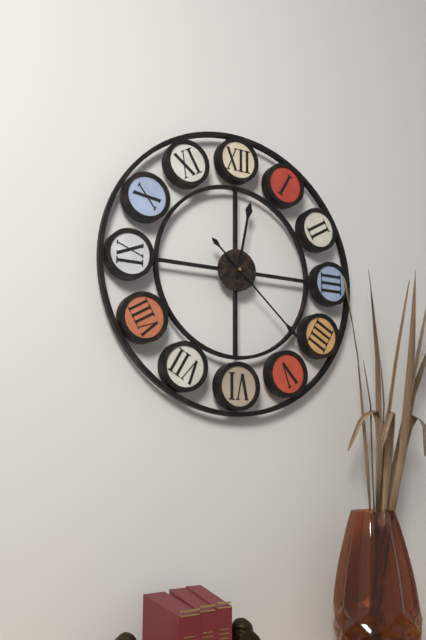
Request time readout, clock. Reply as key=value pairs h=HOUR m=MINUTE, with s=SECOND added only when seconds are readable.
h=12 m=22
